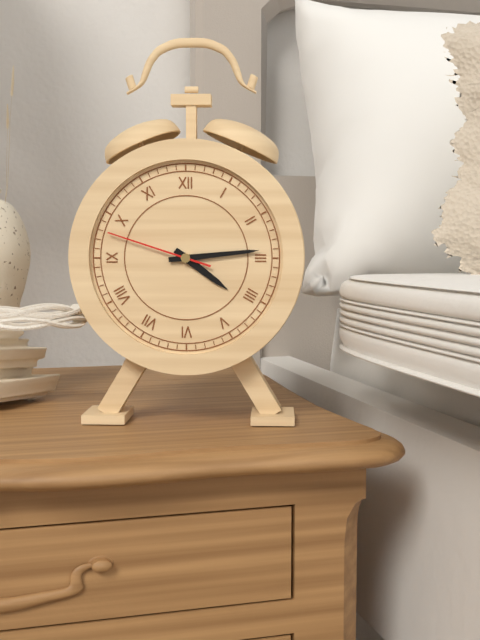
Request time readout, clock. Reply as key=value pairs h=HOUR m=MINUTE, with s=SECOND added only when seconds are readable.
h=4 m=14 s=48
